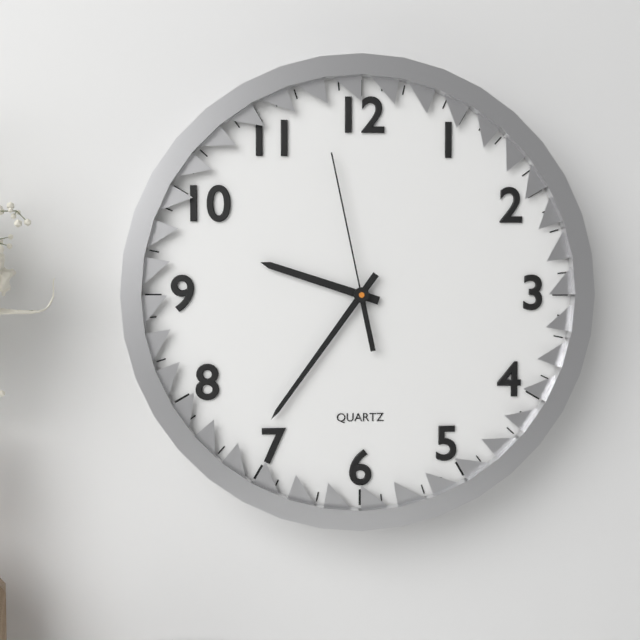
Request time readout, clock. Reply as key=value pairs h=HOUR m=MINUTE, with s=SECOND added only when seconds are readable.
h=9 m=36 s=58
